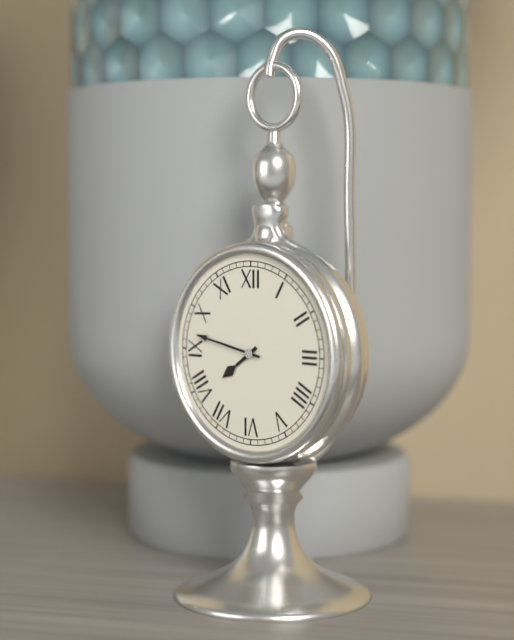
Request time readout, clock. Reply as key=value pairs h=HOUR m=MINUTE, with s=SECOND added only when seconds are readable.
h=7 m=47
